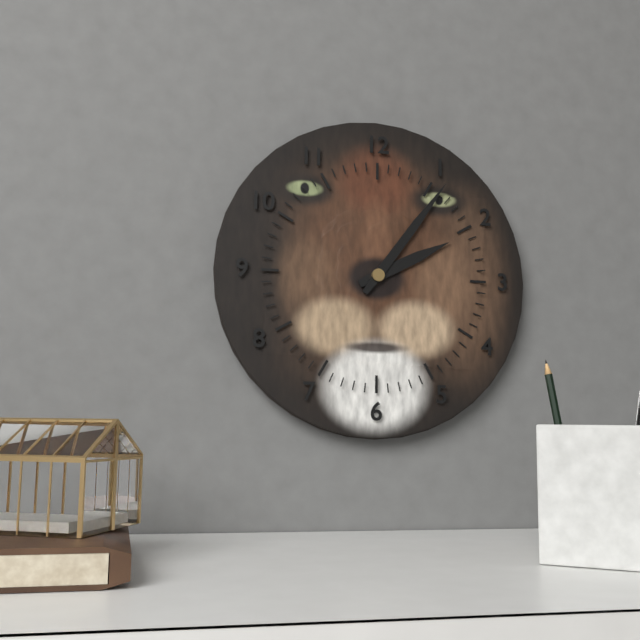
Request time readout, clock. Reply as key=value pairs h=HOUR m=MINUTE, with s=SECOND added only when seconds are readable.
h=2 m=6
